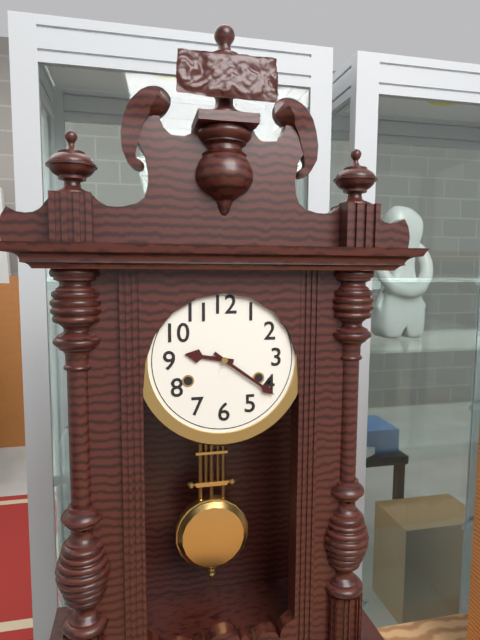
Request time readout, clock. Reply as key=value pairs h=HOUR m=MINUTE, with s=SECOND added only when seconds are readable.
h=9 m=21
